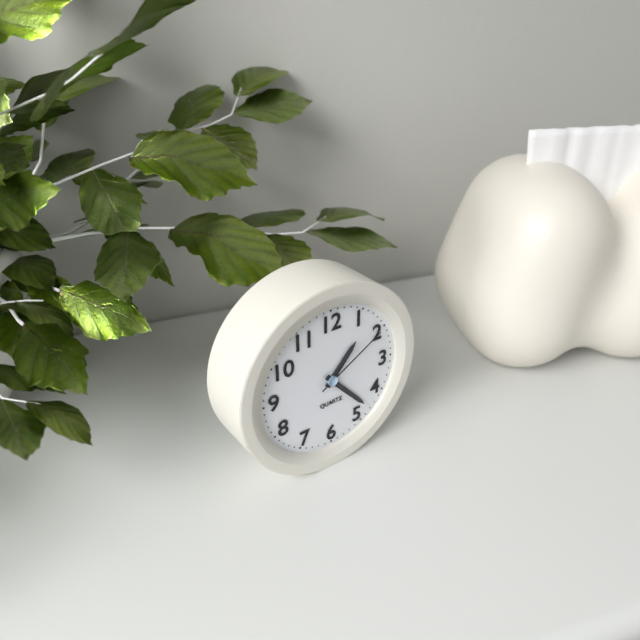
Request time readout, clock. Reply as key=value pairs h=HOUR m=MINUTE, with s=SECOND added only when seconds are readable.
h=1 m=23 s=10
